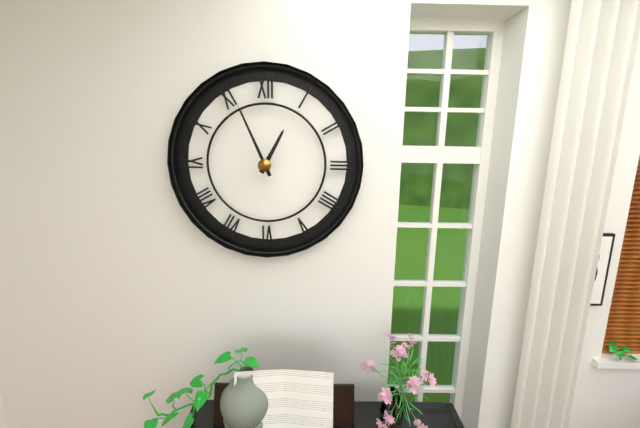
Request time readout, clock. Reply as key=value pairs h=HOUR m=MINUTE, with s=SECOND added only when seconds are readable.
h=12 m=56
